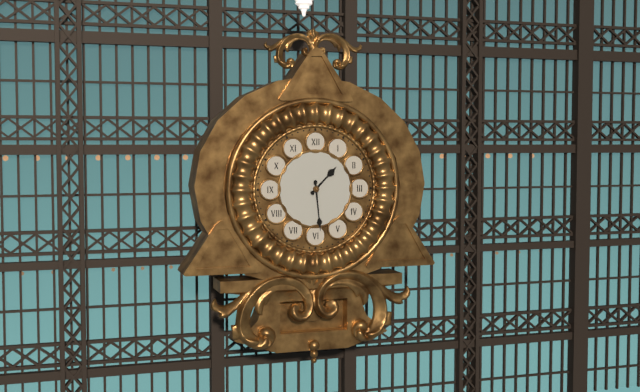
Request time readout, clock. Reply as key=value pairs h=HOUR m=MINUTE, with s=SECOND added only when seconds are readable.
h=1 m=29
